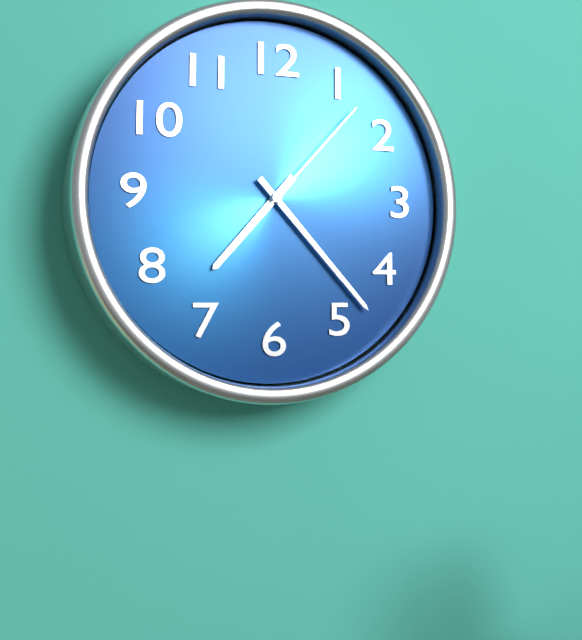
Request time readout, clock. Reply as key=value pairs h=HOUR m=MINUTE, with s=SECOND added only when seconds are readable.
h=7 m=23 s=7
